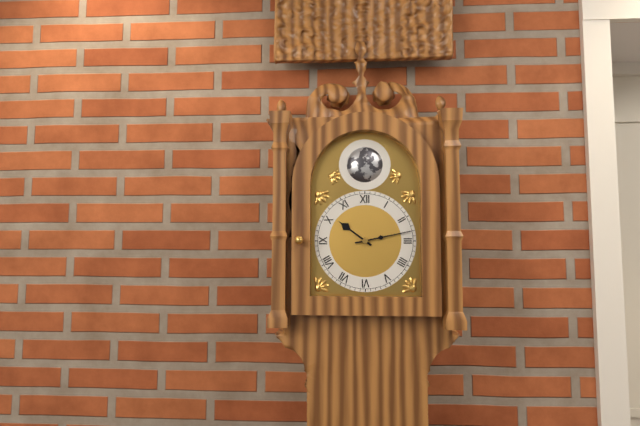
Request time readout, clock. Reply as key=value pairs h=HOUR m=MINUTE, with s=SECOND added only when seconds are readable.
h=10 m=13
